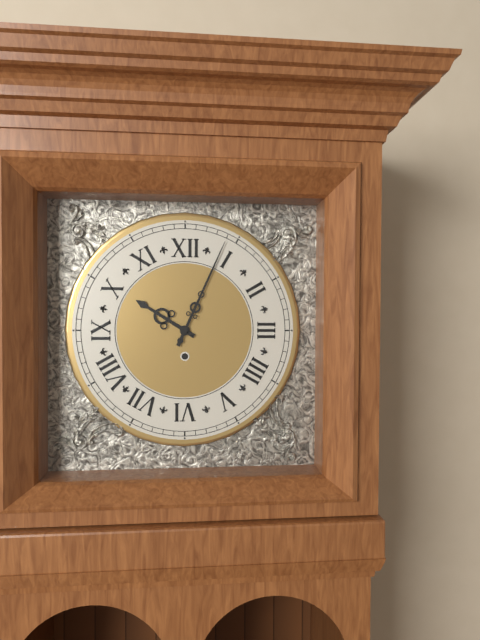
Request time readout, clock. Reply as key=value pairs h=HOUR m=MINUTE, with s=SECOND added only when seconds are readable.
h=10 m=4
